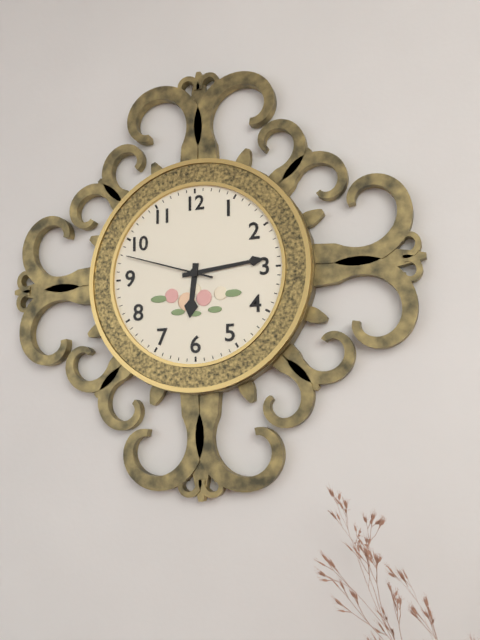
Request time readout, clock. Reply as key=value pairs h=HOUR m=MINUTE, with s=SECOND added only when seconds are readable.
h=6 m=14 s=48
